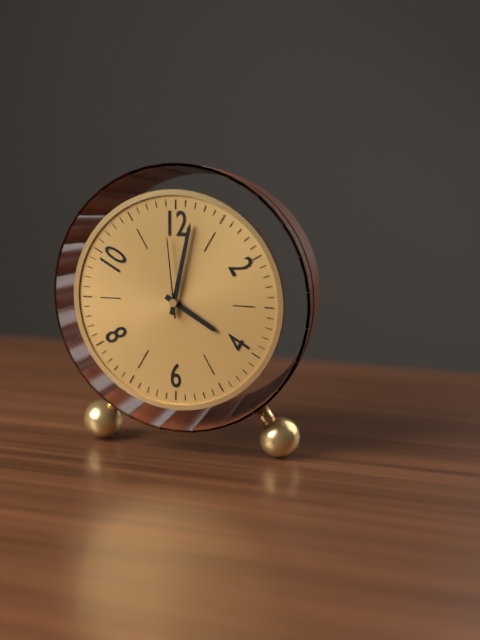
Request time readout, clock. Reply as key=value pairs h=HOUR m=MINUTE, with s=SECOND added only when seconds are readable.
h=4 m=2 s=59
